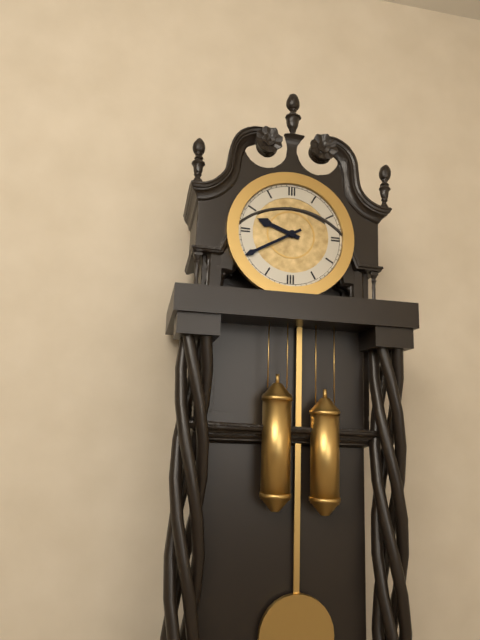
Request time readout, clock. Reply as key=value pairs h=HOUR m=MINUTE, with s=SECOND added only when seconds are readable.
h=9 m=40
